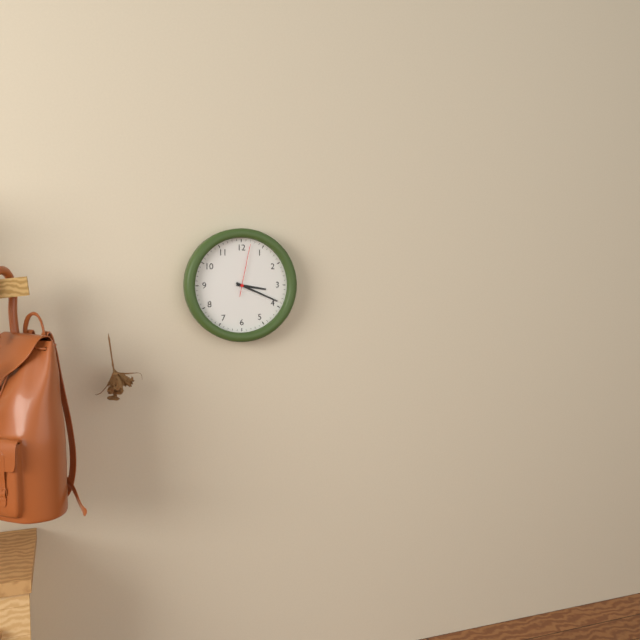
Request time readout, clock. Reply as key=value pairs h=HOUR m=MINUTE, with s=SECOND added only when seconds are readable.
h=3 m=19 s=2
